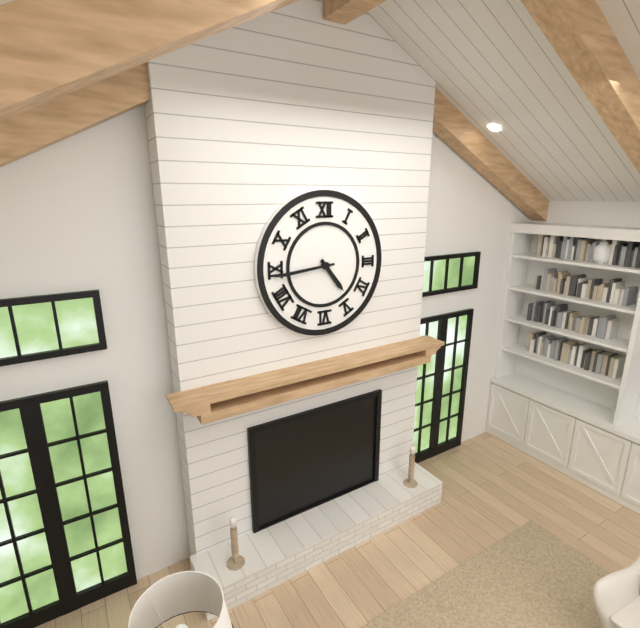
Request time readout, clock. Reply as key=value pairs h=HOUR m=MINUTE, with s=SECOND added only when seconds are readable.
h=4 m=44
